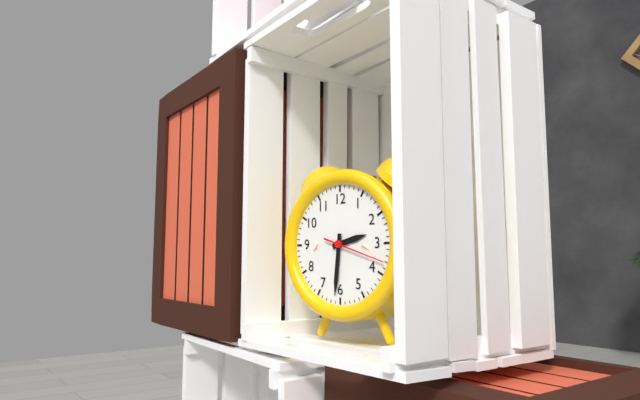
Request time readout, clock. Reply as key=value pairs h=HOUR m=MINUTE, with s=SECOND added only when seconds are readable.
h=2 m=31 s=18
